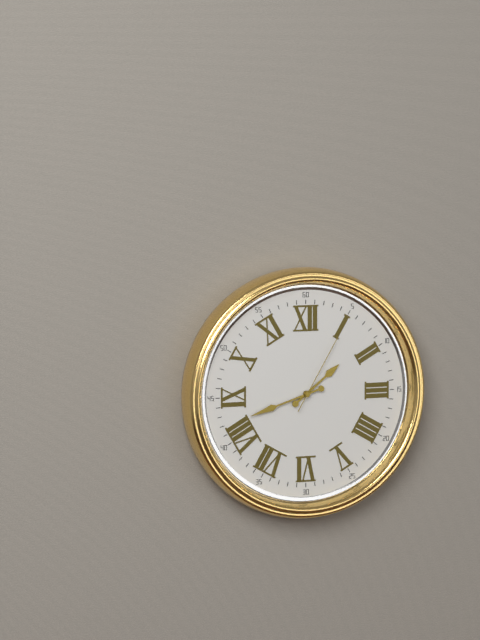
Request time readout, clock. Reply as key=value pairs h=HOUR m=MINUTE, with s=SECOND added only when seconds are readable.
h=1 m=42 s=5
